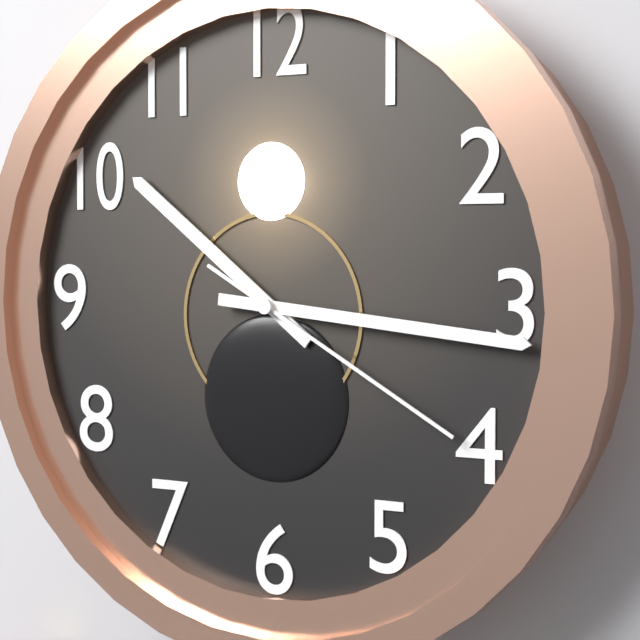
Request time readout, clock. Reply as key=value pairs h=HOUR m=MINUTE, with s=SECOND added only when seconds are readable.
h=10 m=16 s=20
